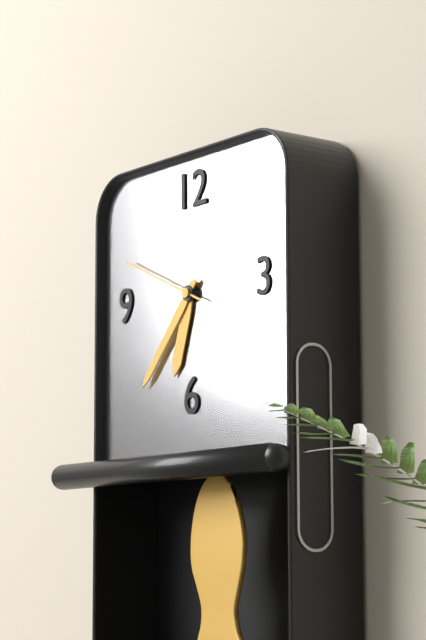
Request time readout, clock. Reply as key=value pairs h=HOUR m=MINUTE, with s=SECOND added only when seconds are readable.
h=6 m=37 s=49
